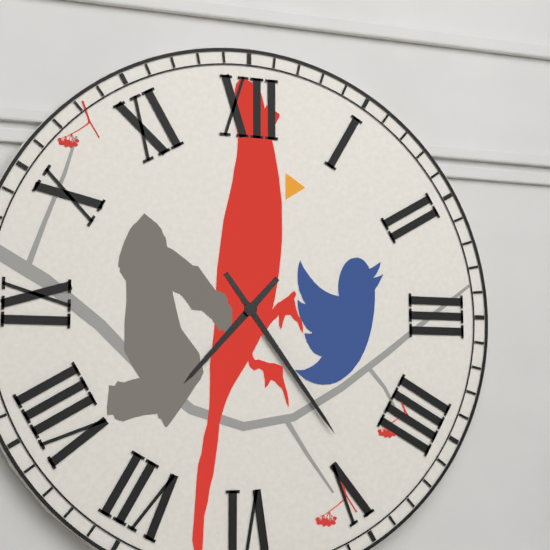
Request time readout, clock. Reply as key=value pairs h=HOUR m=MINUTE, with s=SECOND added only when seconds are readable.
h=7 m=24
